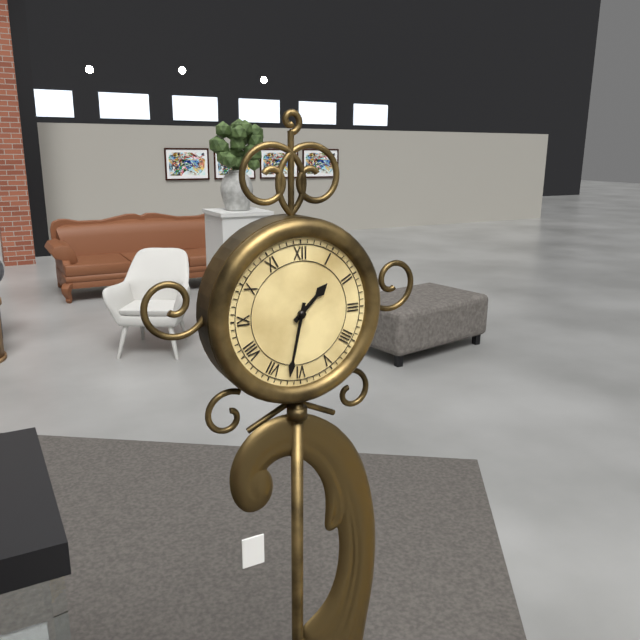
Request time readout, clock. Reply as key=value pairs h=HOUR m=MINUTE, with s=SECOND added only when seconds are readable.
h=1 m=32
